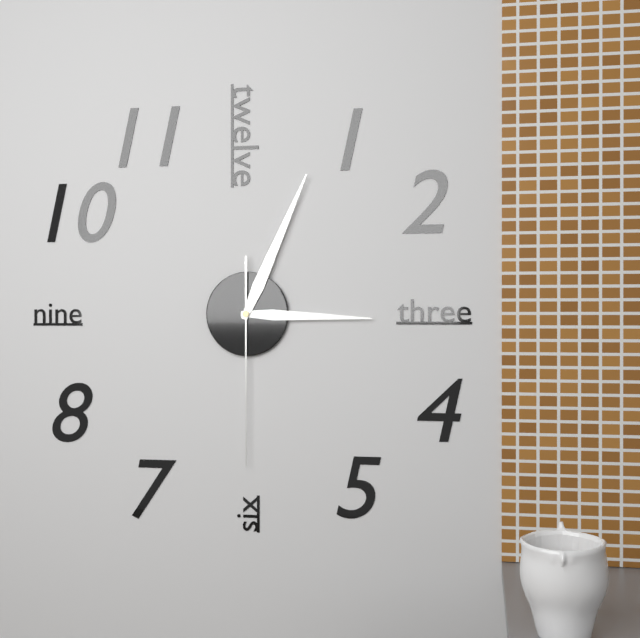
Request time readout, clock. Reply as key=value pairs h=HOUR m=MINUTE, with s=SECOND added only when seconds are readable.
h=3 m=4 s=30
